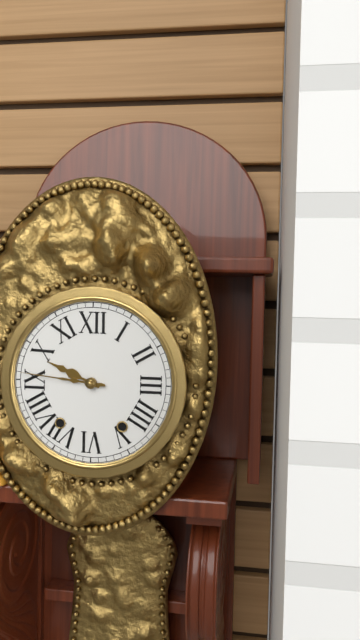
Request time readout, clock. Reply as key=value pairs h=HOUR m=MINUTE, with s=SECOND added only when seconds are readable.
h=9 m=46
